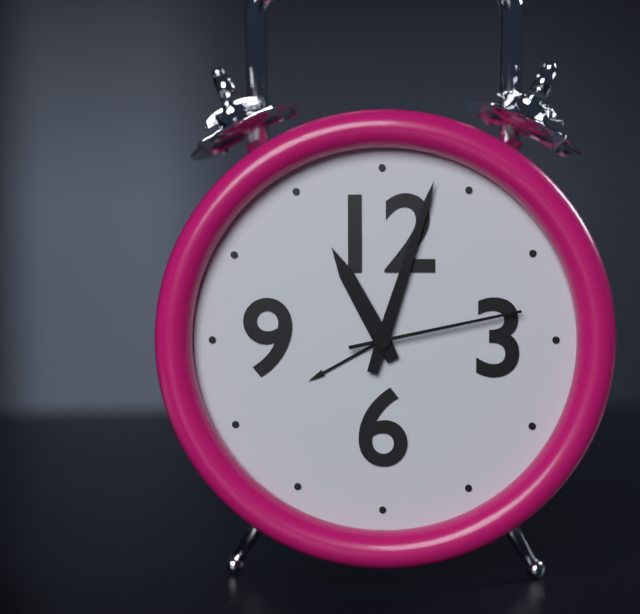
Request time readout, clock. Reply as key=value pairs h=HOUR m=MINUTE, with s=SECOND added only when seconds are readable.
h=11 m=3 s=13
